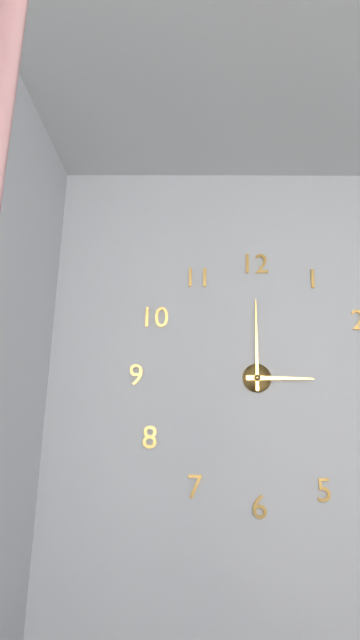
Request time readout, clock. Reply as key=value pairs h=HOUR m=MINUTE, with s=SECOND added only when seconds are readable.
h=3 m=0
